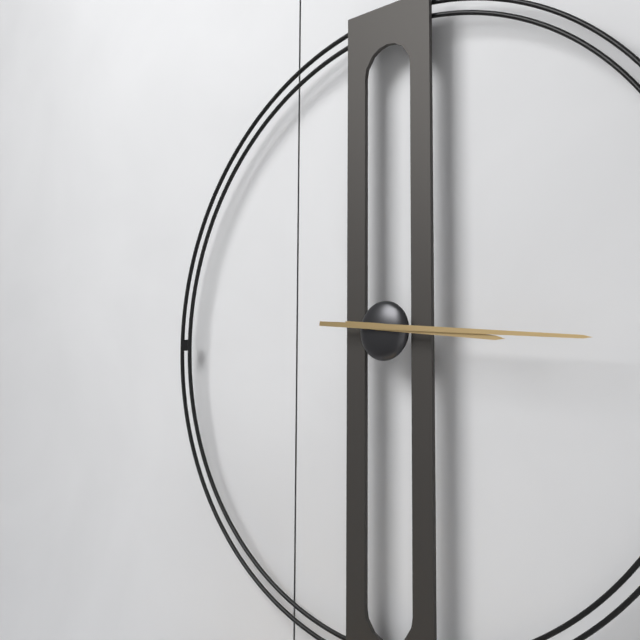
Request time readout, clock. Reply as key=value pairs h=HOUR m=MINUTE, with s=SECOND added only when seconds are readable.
h=3 m=16
